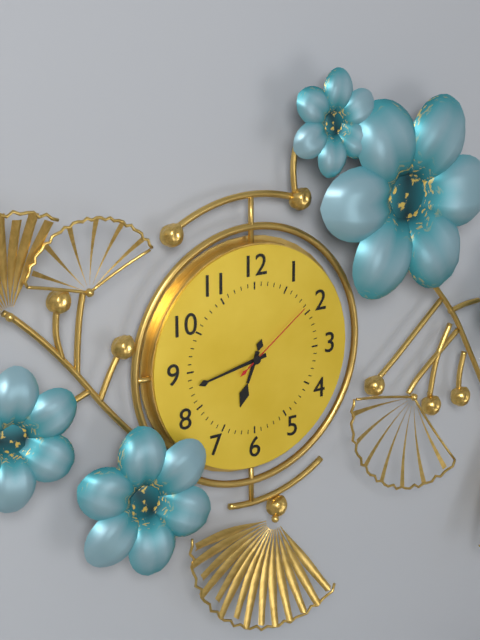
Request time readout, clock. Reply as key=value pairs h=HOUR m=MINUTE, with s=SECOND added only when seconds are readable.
h=6 m=43 s=9
